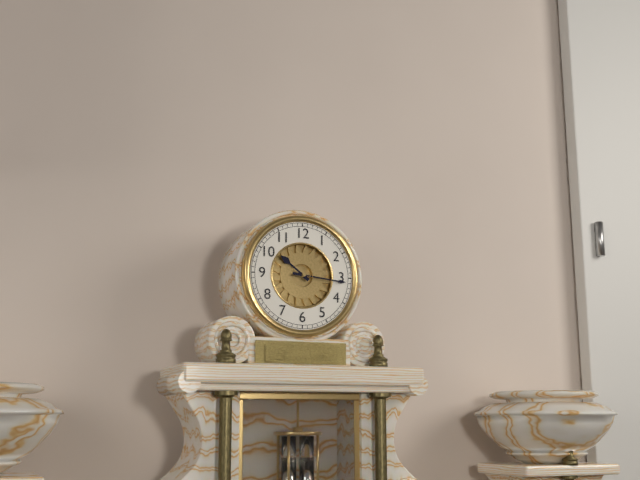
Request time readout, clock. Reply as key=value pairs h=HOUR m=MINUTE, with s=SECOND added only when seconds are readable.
h=10 m=16
